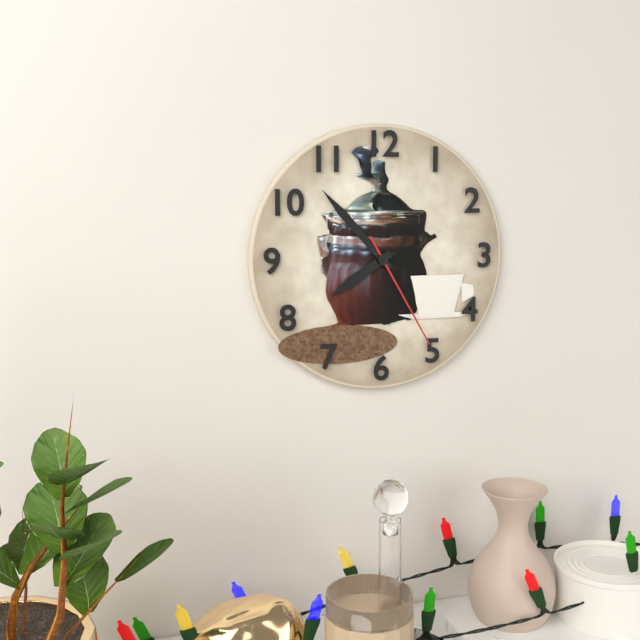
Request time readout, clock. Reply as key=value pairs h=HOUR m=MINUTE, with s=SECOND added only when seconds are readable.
h=7 m=53 s=25
